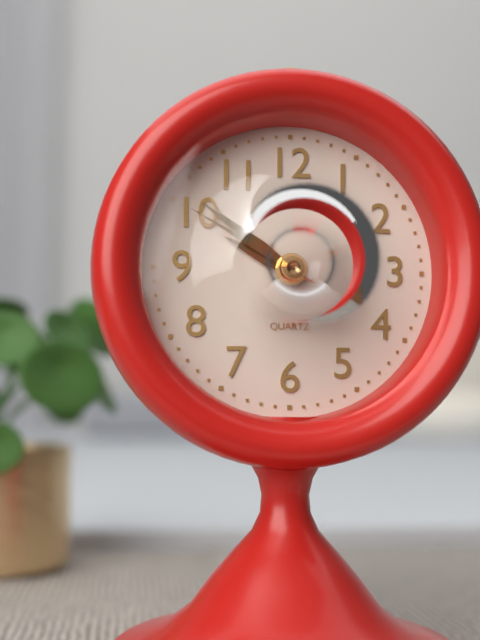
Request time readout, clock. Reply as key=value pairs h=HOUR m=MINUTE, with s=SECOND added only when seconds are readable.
h=9 m=51 s=50
